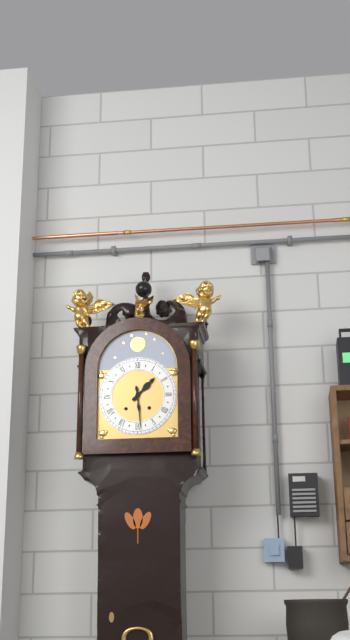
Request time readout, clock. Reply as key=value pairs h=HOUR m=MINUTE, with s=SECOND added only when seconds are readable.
h=1 m=29
